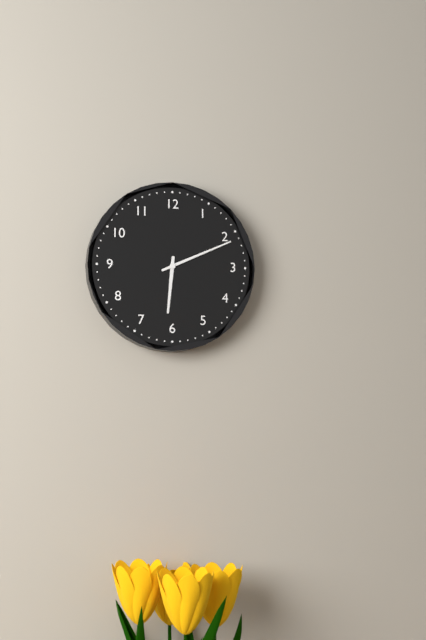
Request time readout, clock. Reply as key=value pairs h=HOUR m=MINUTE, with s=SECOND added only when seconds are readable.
h=6 m=11
